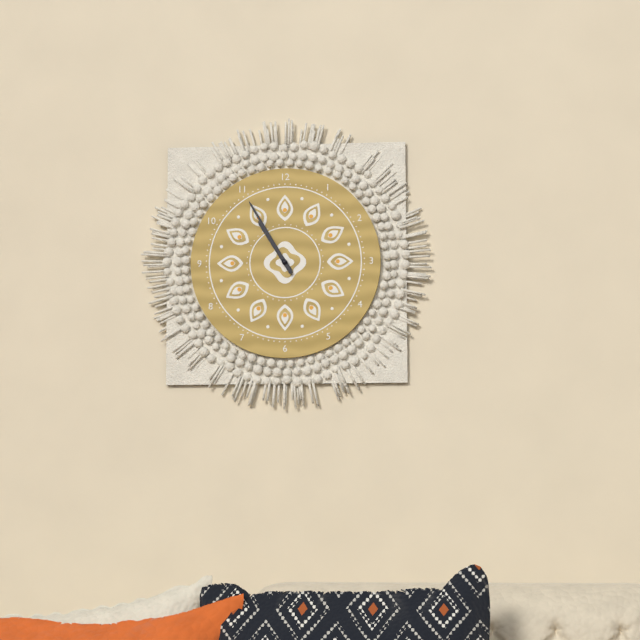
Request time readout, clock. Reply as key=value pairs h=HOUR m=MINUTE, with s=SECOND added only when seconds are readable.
h=10 m=55
